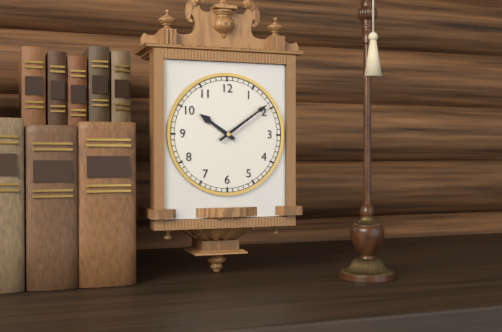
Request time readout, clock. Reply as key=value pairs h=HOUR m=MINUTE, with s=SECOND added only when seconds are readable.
h=10 m=9
